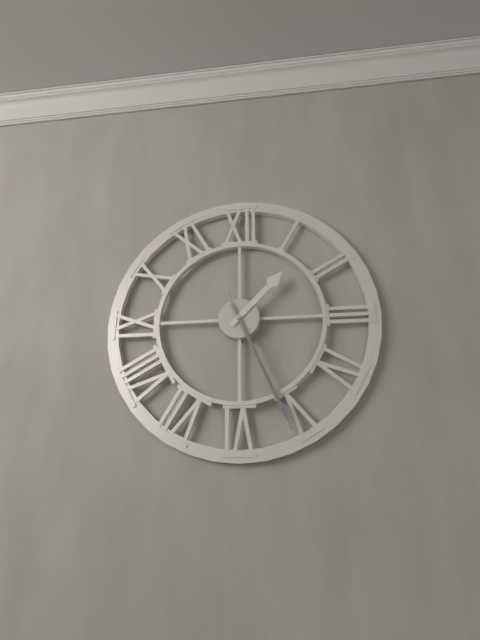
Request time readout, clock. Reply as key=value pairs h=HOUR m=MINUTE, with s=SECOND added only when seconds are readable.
h=1 m=26 s=26
